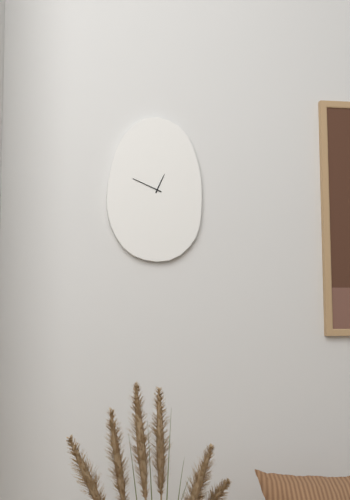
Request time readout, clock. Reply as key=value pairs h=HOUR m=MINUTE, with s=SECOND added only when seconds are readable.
h=12 m=49
